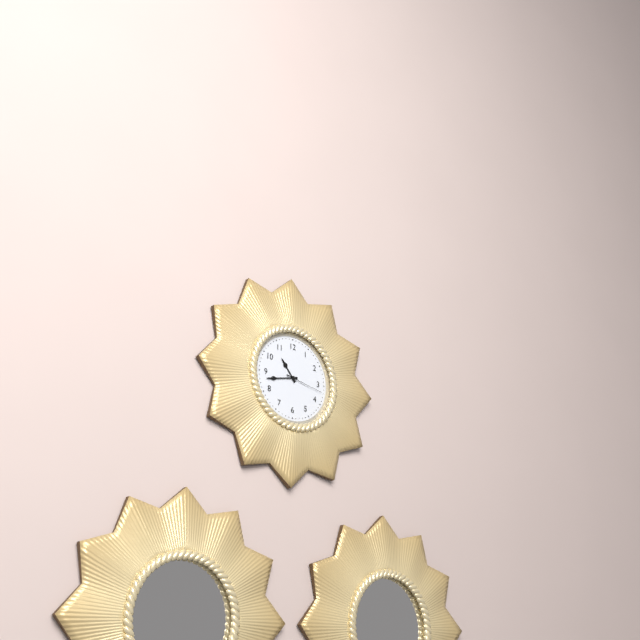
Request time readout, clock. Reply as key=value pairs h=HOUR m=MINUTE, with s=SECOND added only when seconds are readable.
h=10 m=43
